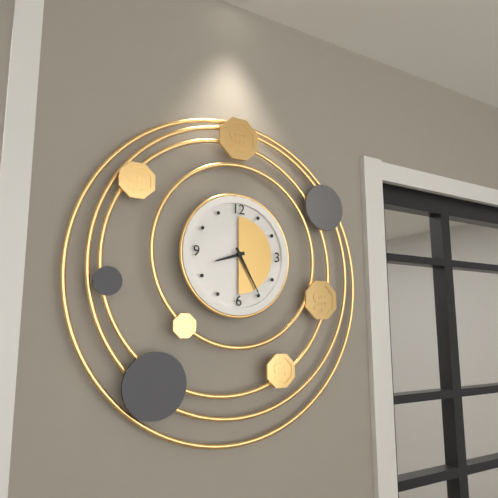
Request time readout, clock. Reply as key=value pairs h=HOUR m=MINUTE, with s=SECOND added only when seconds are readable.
h=8 m=25
